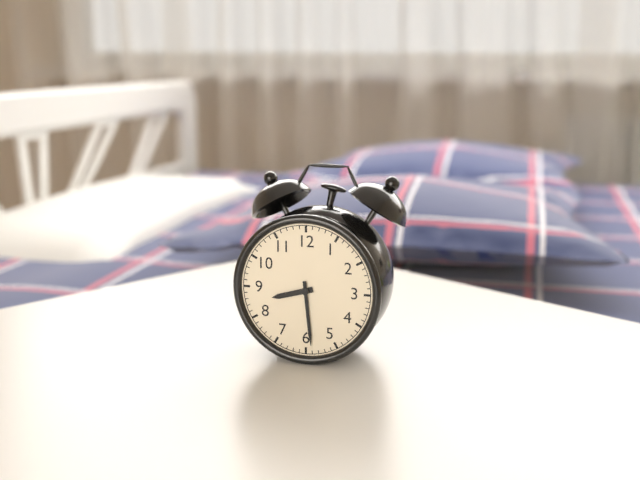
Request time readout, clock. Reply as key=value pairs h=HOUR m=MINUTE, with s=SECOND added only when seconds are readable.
h=8 m=29
